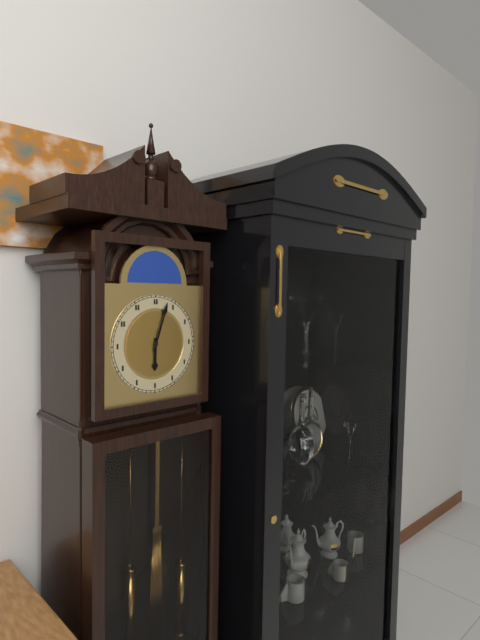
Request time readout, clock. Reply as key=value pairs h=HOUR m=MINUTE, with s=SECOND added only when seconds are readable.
h=6 m=3
